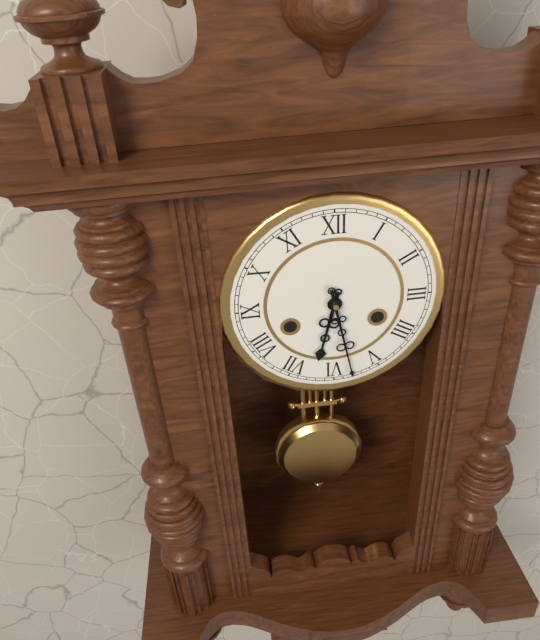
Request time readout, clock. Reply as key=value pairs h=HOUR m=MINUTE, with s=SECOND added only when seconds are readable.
h=6 m=28
